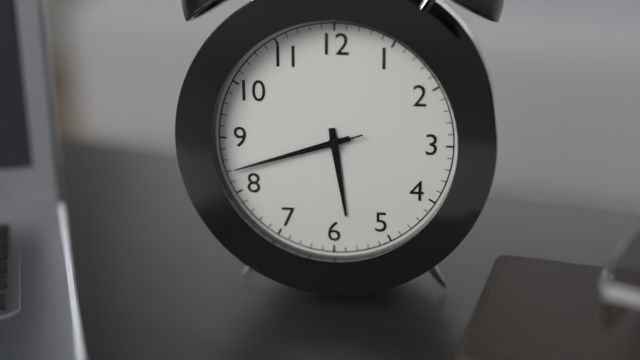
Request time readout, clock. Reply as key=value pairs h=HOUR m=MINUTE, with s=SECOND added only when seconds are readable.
h=5 m=42 s=42
